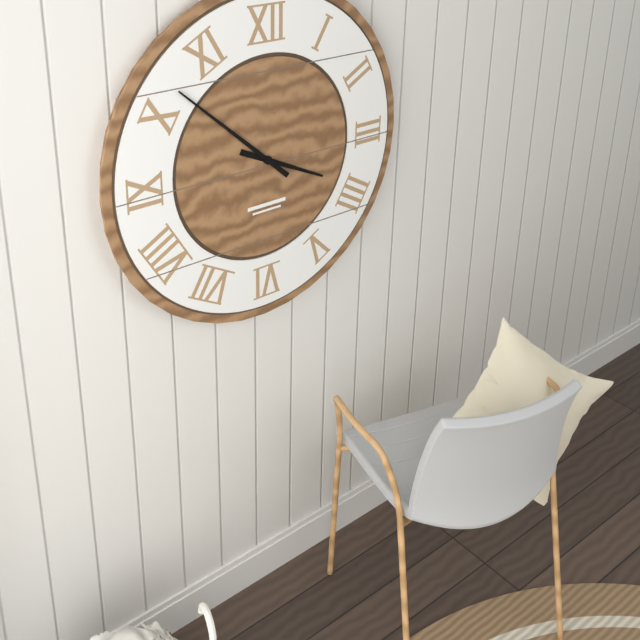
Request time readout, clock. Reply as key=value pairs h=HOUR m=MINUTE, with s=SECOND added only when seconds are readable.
h=3 m=52
